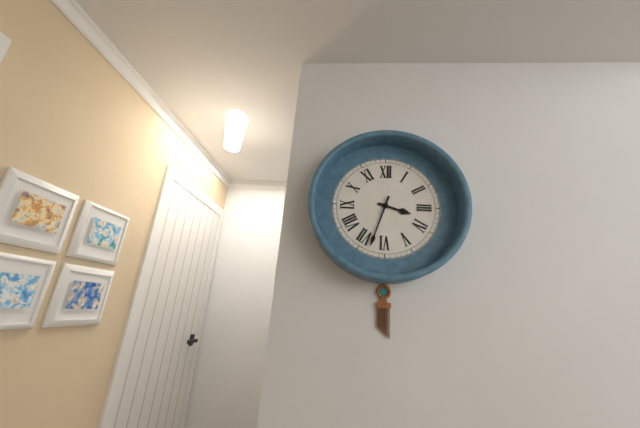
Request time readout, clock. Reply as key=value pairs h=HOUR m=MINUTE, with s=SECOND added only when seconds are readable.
h=3 m=33
